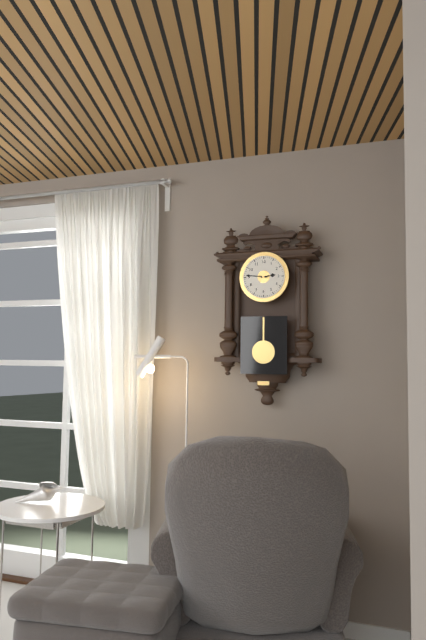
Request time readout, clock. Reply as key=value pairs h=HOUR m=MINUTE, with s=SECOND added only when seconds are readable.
h=2 m=46
